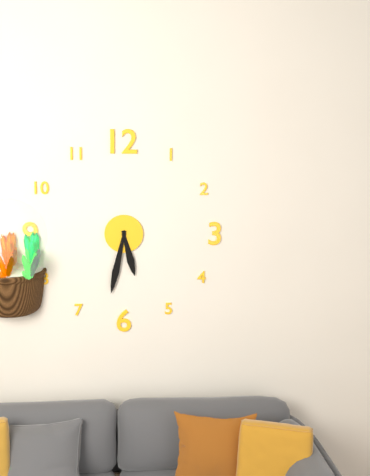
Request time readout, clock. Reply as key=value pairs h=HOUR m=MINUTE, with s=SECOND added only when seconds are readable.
h=5 m=32
